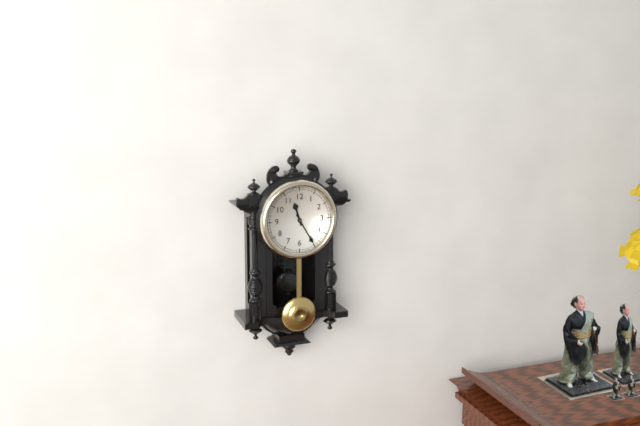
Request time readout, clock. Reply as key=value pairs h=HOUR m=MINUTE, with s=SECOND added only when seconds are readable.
h=11 m=25
